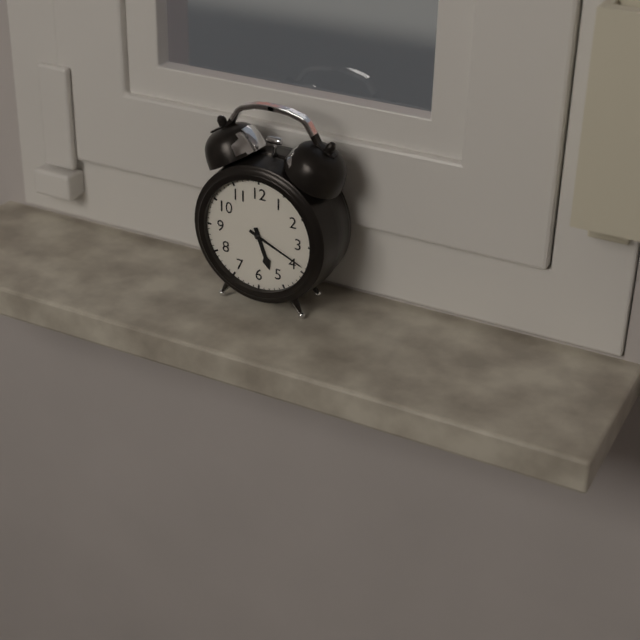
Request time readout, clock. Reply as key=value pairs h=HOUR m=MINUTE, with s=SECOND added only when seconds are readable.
h=5 m=19
